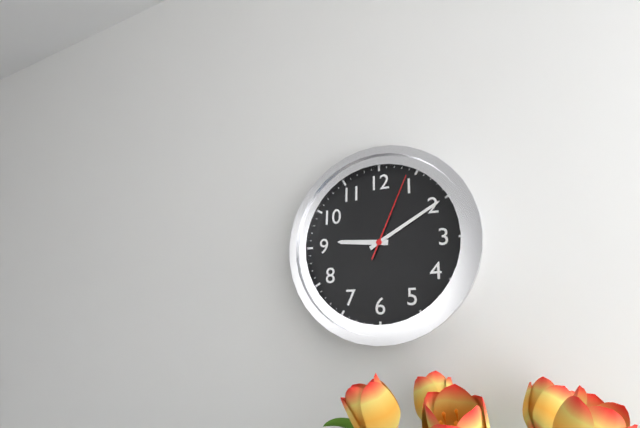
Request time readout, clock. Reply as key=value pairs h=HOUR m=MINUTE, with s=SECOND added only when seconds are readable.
h=9 m=10 s=4
